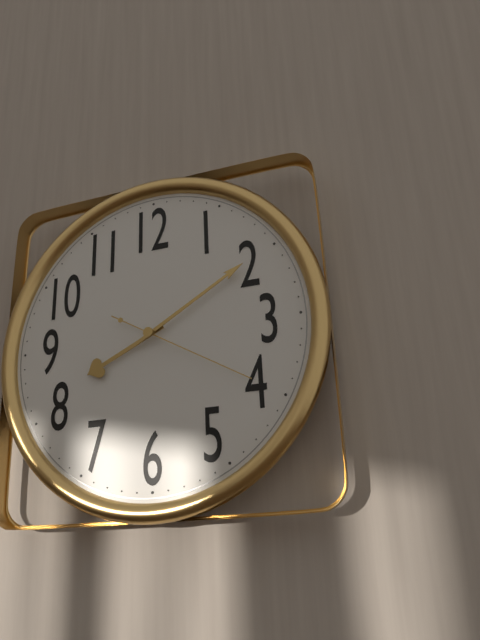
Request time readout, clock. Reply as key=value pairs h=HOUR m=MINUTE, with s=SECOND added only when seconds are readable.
h=8 m=10 s=20
